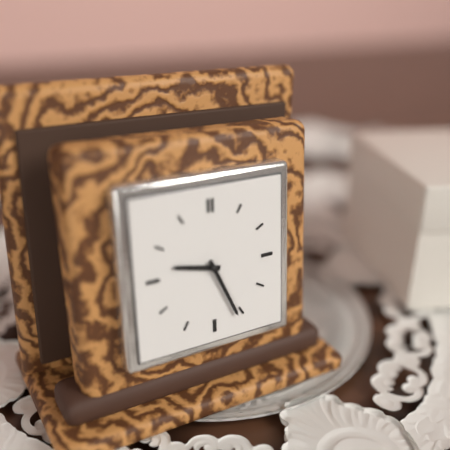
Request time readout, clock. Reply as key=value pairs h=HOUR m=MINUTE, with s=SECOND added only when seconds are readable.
h=9 m=26
